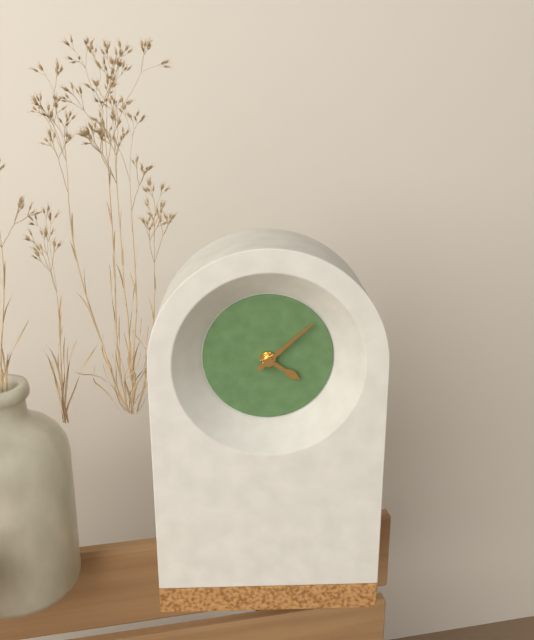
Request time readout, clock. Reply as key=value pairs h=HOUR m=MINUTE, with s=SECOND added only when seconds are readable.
h=4 m=8
